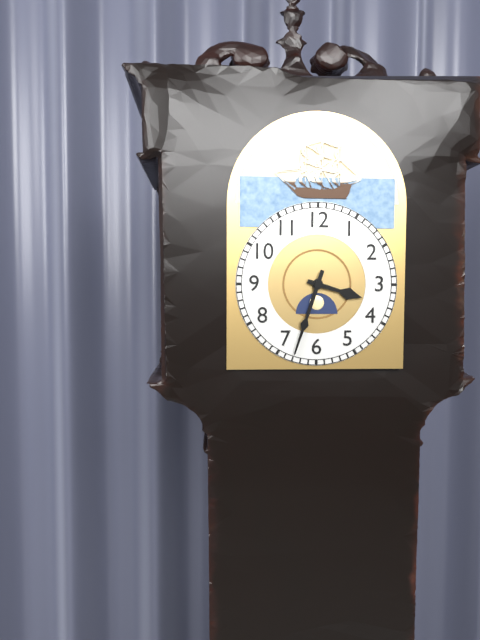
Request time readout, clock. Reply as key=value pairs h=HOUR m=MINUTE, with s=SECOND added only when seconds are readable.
h=3 m=33
